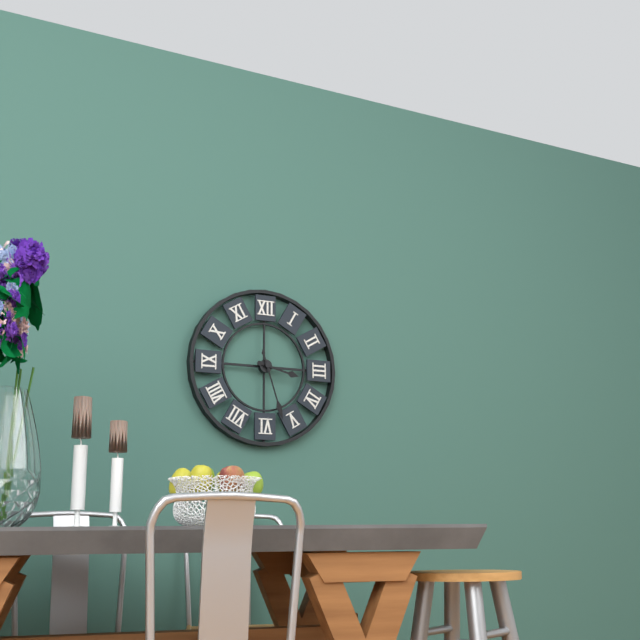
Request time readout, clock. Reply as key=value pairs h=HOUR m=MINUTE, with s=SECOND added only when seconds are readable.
h=3 m=27
